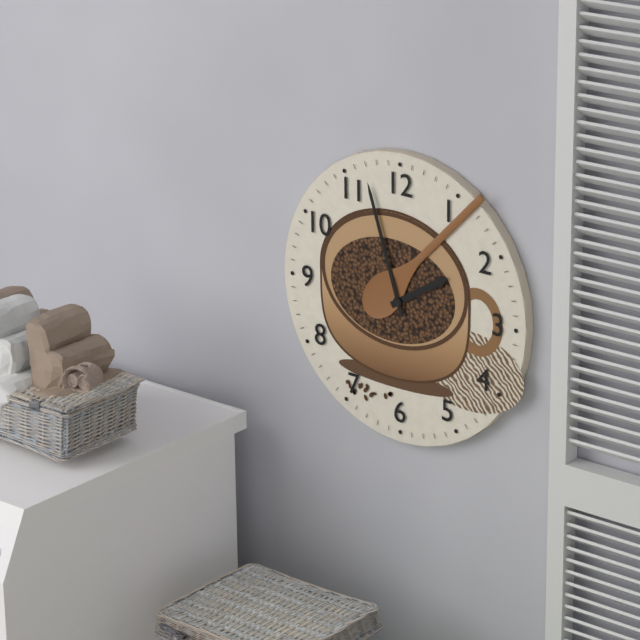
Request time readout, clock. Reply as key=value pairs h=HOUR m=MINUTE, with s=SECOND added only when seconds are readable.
h=1 m=57
